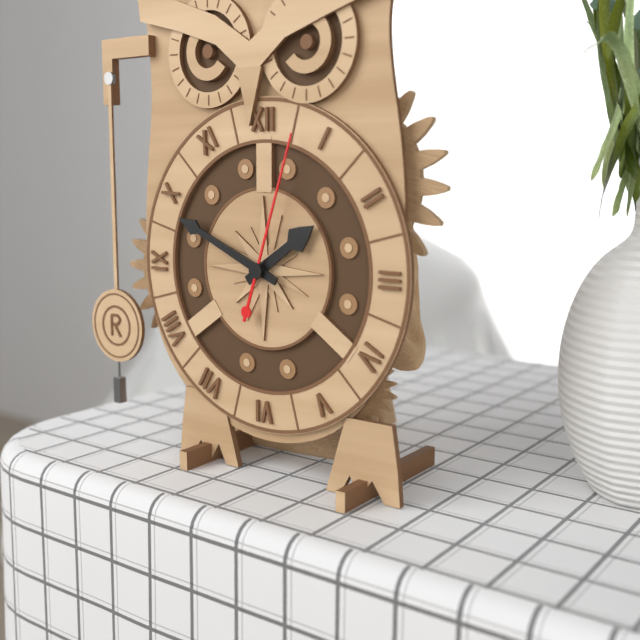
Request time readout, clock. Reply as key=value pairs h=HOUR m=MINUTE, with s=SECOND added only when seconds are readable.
h=1 m=49 s=3
